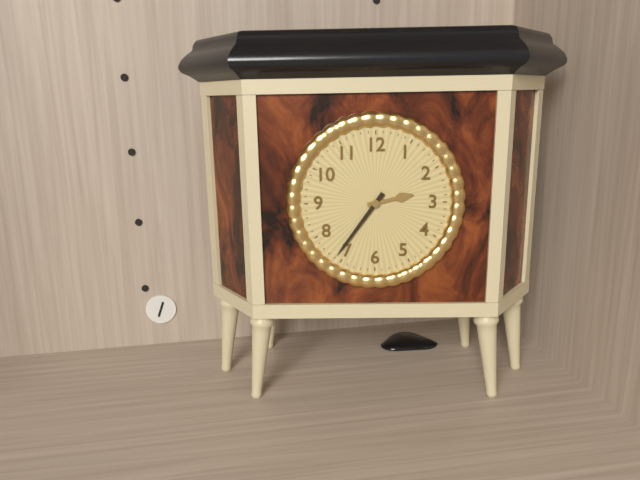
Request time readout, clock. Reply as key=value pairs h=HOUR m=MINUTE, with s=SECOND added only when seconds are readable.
h=2 m=36
